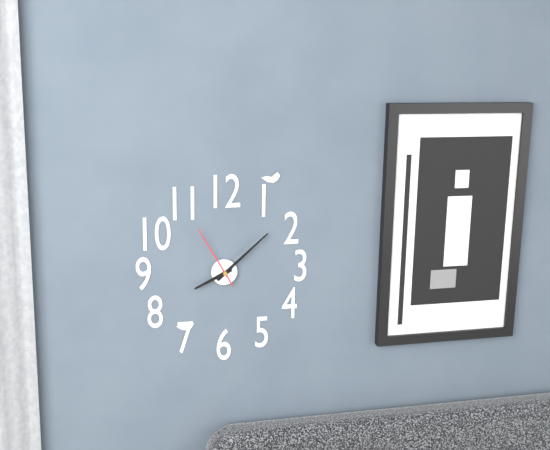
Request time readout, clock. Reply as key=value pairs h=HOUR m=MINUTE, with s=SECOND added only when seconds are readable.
h=8 m=8 s=55
